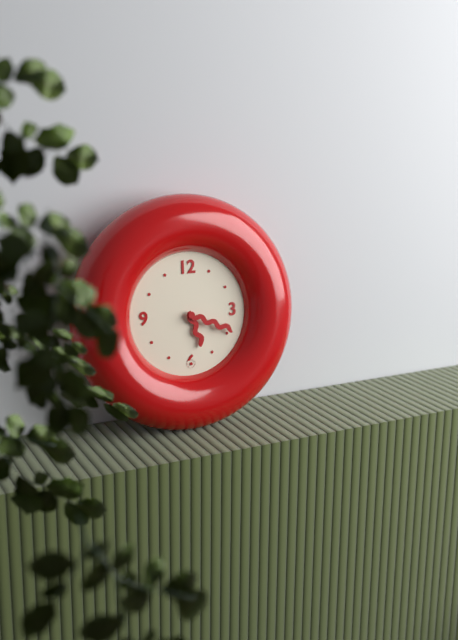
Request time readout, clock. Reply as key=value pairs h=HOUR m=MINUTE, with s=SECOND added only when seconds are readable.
h=5 m=19
